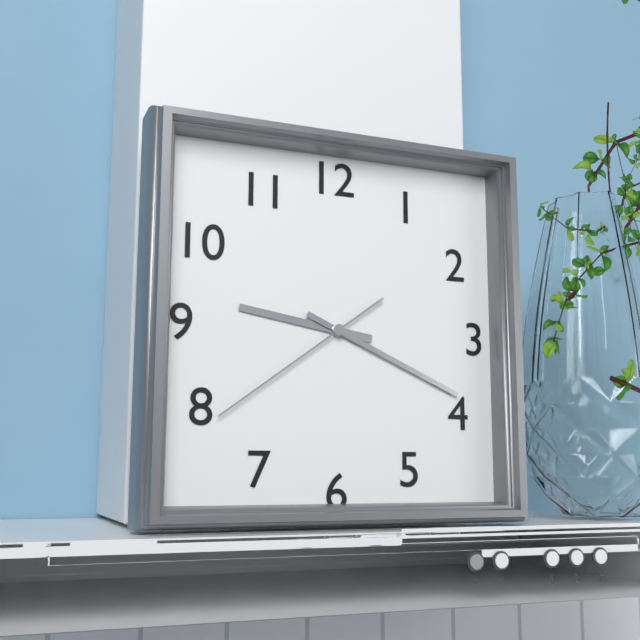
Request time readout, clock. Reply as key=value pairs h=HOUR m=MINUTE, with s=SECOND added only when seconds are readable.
h=9 m=19 s=39
